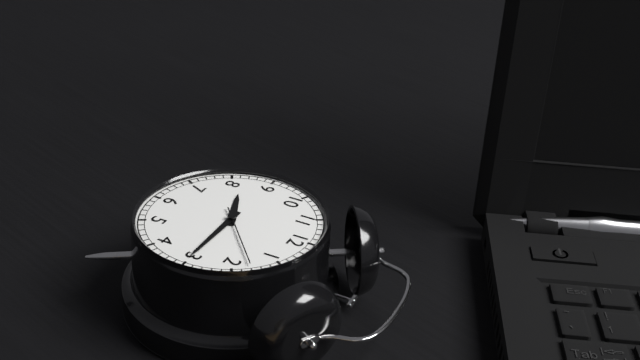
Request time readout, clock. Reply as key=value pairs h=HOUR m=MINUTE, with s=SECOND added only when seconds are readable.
h=8 m=15 s=8
